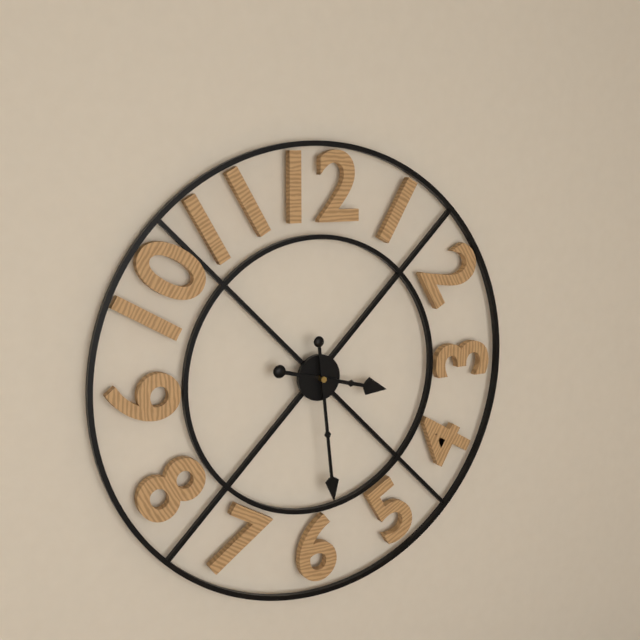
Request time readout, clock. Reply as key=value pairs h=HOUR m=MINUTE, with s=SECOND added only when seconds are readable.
h=3 m=29
